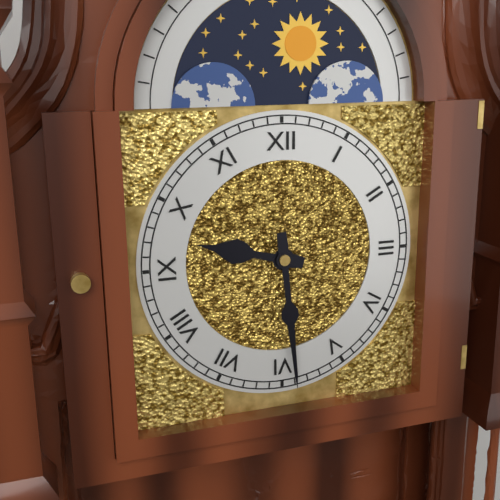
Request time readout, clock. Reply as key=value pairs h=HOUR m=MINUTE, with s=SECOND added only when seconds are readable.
h=9 m=29
